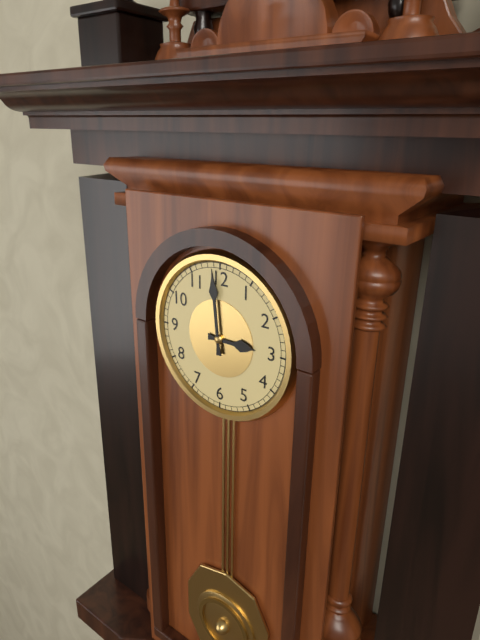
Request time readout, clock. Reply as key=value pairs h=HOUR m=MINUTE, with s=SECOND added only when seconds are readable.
h=2 m=59
